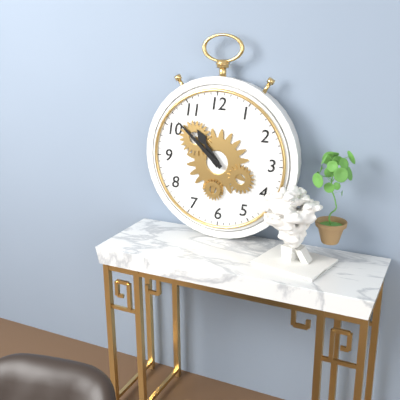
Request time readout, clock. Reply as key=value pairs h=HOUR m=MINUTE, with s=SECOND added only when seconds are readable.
h=10 m=52
